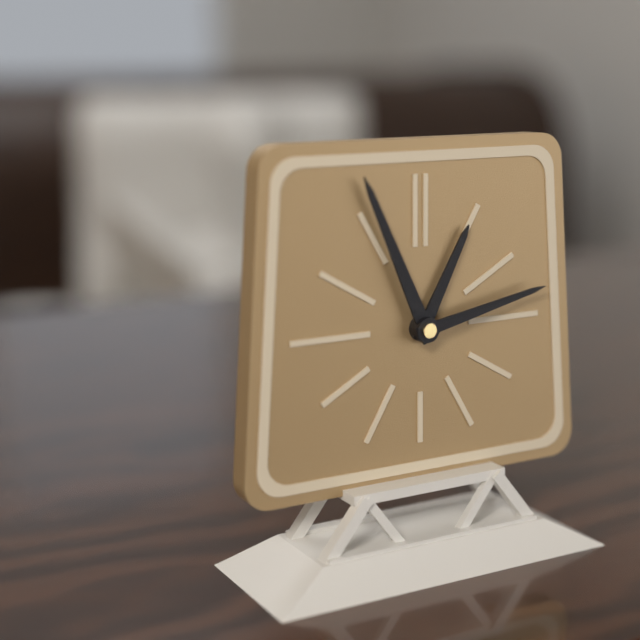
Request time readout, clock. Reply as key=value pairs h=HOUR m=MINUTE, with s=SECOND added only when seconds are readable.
h=12 m=56 s=13
